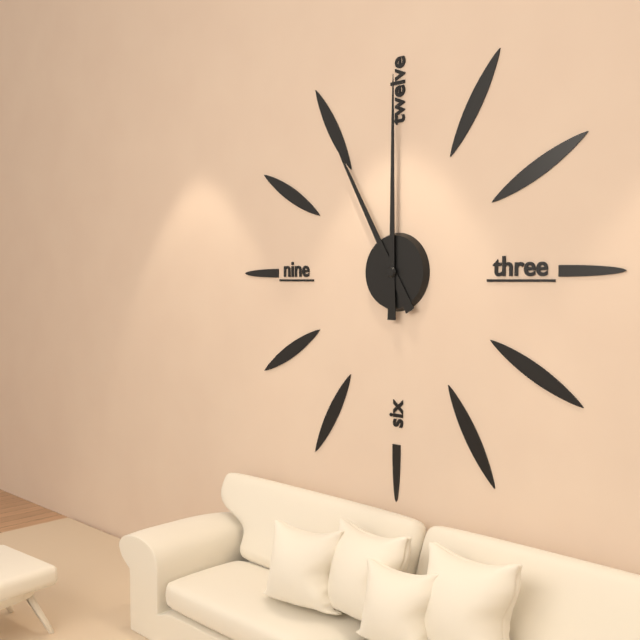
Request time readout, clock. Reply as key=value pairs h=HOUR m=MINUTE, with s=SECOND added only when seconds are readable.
h=11 m=0
